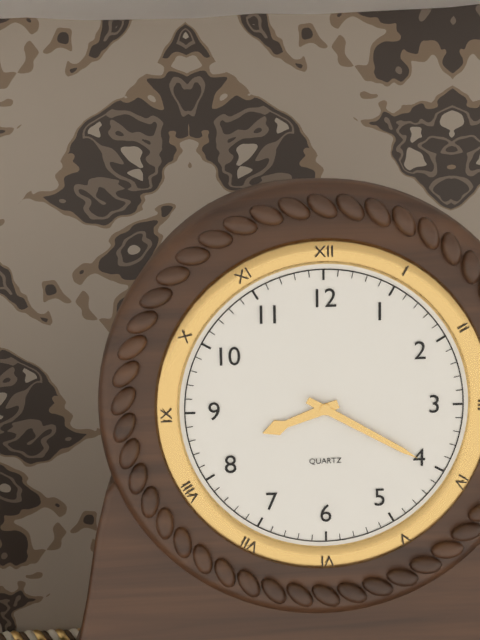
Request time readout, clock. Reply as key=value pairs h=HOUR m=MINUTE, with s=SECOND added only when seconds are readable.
h=8 m=20
